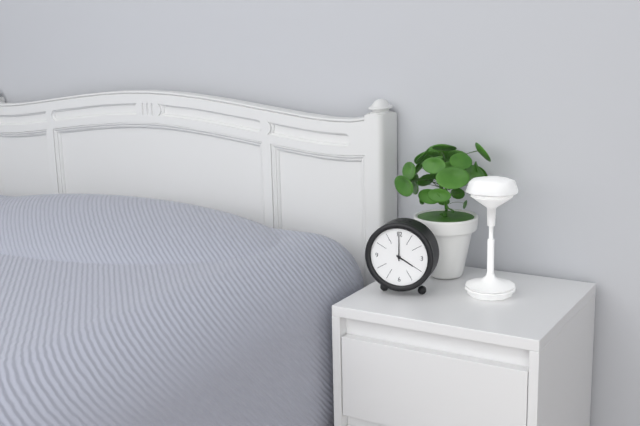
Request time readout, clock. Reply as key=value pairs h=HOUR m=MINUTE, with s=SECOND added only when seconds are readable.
h=4 m=0
